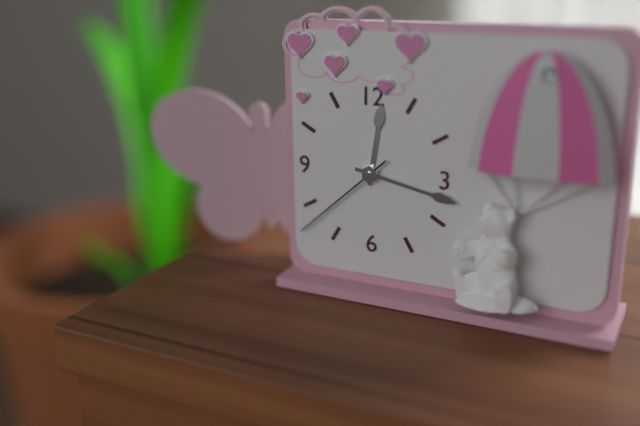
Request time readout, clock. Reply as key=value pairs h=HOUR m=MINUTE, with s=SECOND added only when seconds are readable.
h=12 m=17 s=38
